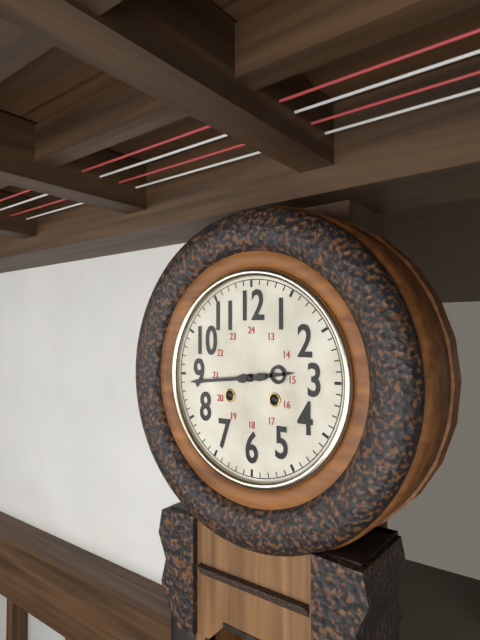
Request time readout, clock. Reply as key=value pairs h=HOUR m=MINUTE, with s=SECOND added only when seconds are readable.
h=2 m=44
